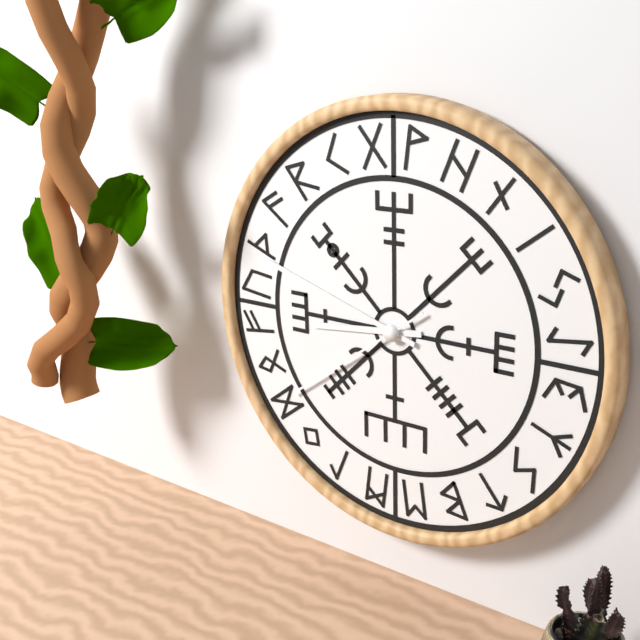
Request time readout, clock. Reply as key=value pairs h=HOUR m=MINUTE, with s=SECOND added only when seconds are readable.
h=8 m=48 s=39
